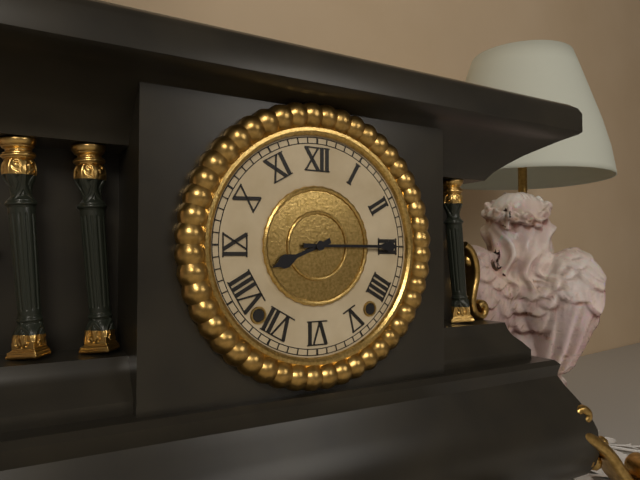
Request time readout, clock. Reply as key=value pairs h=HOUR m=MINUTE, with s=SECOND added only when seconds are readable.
h=8 m=15
